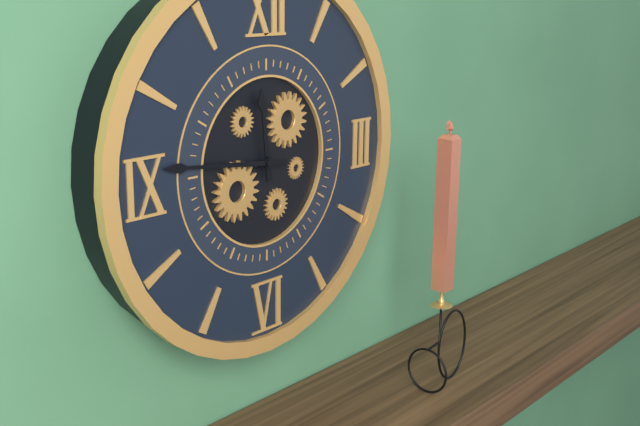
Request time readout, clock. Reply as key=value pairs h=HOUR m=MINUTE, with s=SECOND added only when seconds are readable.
h=11 m=46
